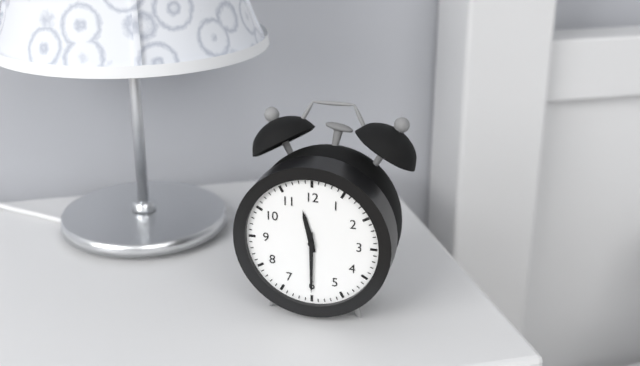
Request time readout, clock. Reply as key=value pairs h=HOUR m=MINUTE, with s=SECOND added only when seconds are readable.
h=11 m=30
